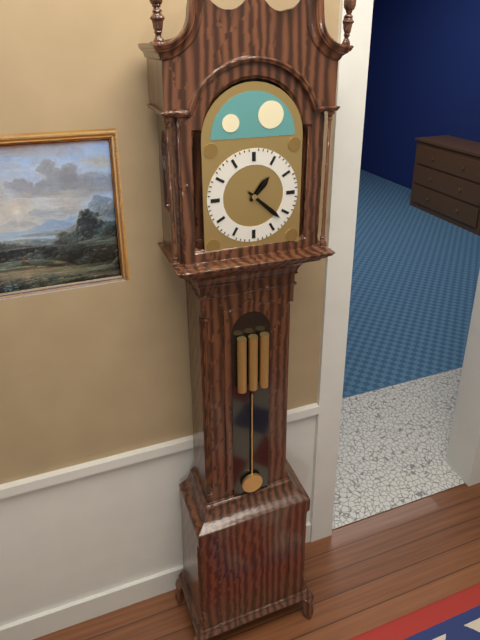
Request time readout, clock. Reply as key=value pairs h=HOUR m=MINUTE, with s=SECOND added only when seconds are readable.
h=1 m=22
